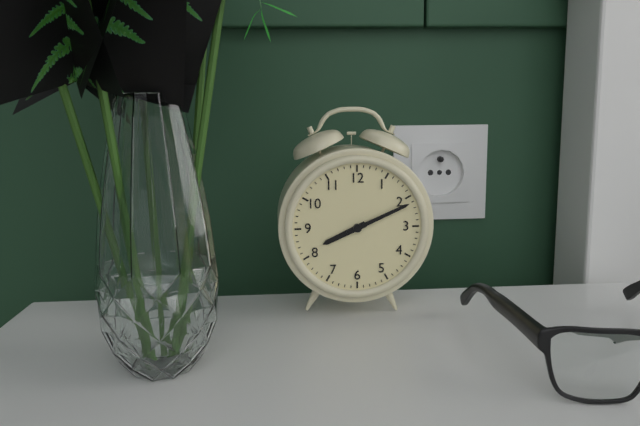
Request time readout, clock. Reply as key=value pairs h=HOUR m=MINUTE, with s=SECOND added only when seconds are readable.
h=8 m=11
